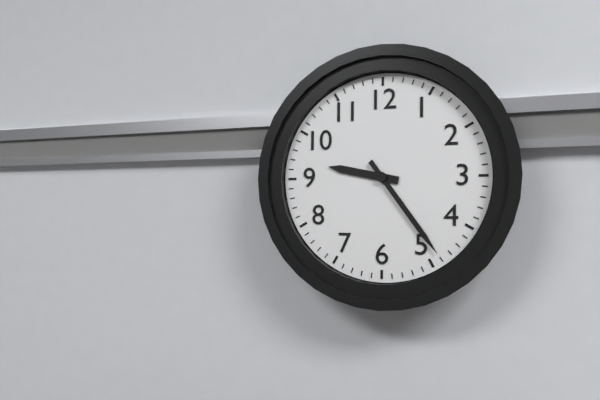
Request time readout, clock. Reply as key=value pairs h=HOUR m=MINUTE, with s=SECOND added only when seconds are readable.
h=9 m=24
